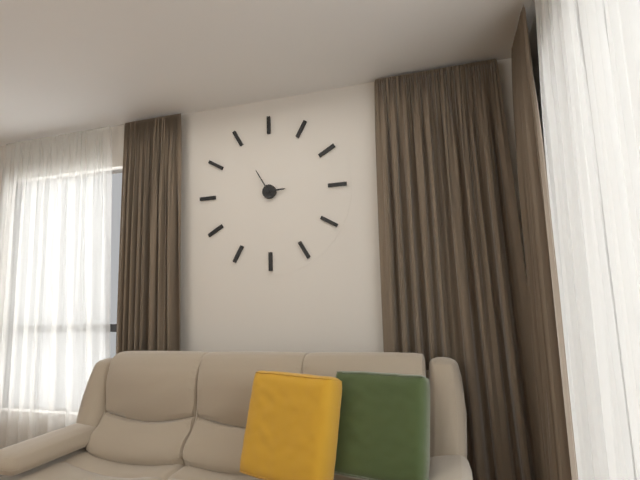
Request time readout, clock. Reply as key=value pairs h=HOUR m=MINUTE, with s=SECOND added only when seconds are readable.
h=2 m=55
